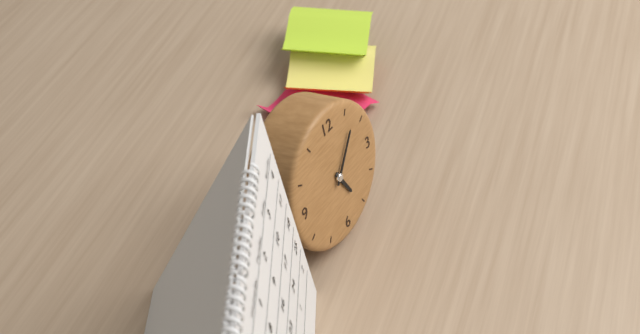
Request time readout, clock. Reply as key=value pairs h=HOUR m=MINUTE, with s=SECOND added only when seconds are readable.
h=5 m=7
